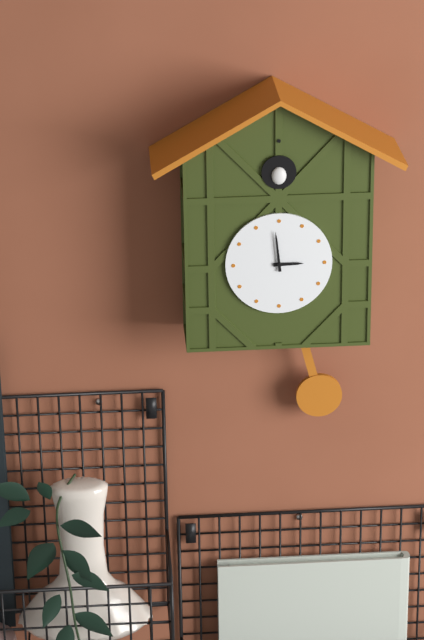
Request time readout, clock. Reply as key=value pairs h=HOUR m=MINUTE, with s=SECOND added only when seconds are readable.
h=2 m=59
